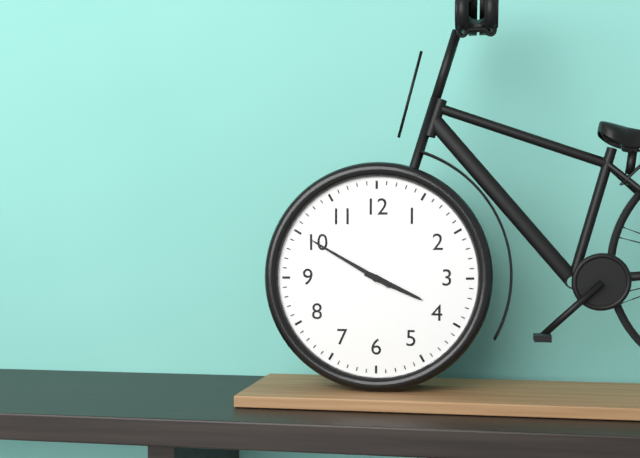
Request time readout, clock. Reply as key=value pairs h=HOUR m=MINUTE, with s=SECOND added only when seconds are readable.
h=3 m=50
